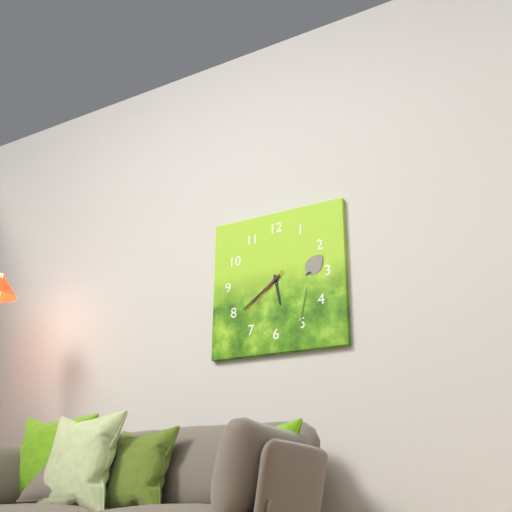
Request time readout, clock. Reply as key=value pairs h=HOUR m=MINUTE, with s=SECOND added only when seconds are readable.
h=5 m=39 s=38
